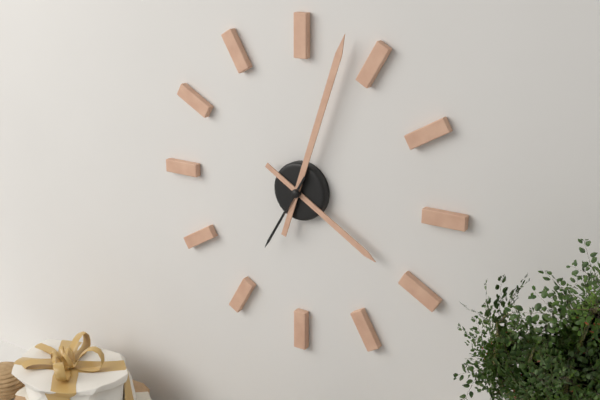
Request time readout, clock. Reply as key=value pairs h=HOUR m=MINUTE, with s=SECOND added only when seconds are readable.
h=4 m=3 s=35
